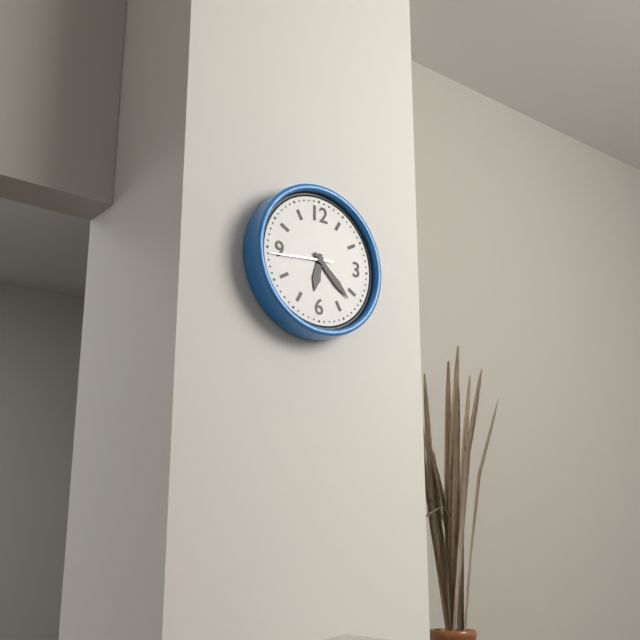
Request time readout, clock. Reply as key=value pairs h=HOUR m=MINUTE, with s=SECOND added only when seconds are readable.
h=6 m=22 s=44
